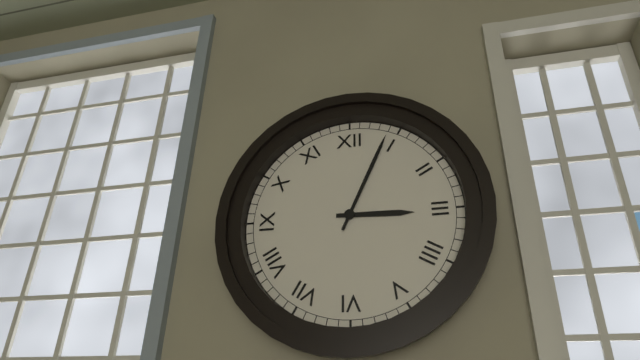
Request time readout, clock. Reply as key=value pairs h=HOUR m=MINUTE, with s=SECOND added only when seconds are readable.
h=3 m=4
